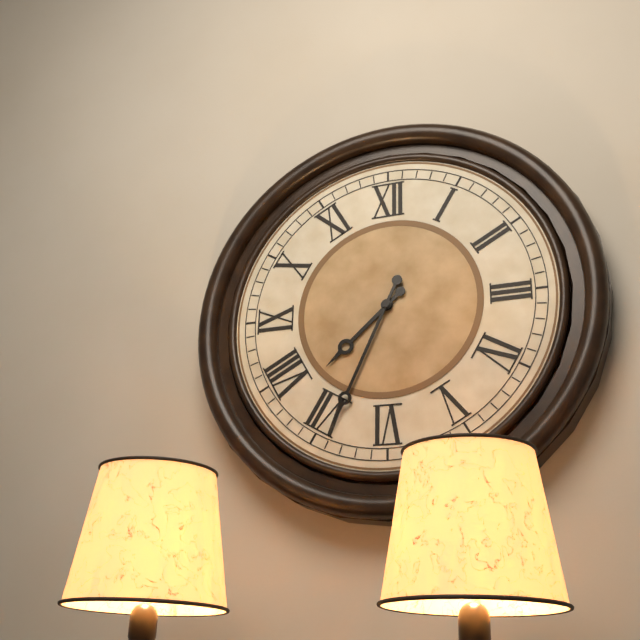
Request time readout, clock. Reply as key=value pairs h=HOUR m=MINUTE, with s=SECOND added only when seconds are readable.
h=7 m=34
